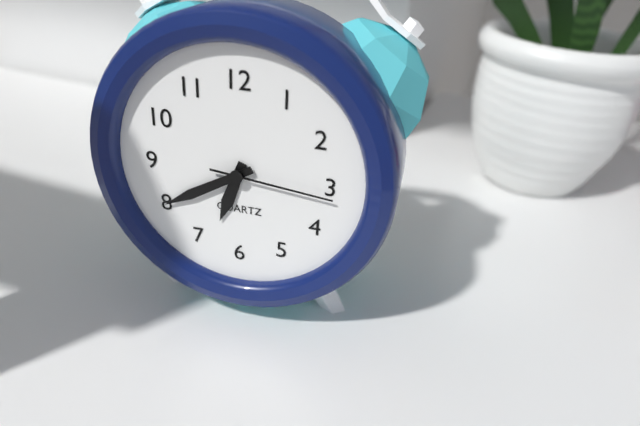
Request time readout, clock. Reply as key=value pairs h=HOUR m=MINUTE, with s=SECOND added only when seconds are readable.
h=6 m=40 s=16
